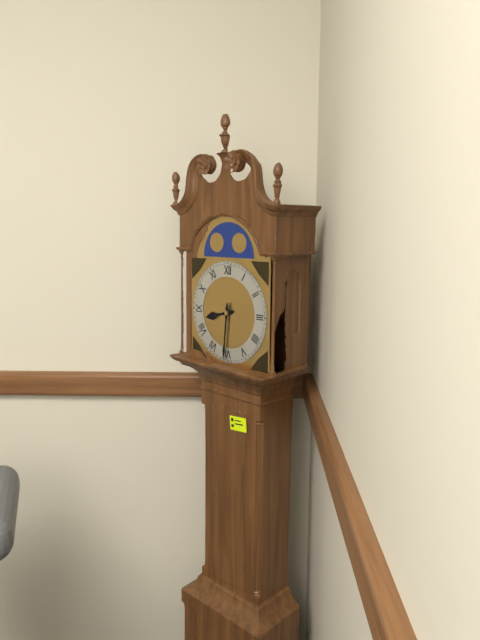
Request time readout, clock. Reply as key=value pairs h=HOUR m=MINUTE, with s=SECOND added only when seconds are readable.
h=8 m=31
